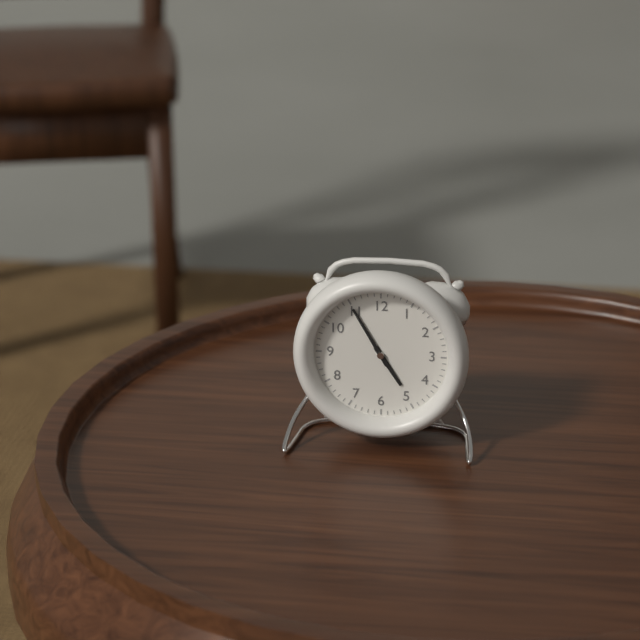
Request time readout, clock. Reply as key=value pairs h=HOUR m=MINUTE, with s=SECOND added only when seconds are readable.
h=4 m=55
